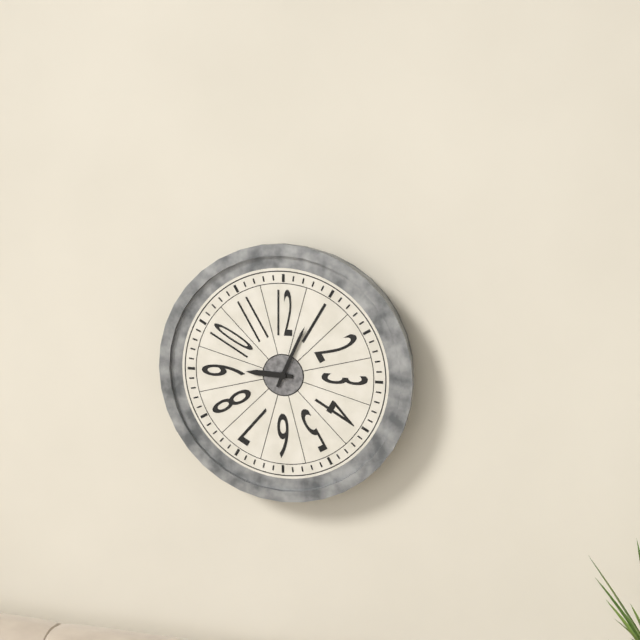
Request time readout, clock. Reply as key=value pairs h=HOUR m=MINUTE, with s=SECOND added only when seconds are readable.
h=9 m=4
